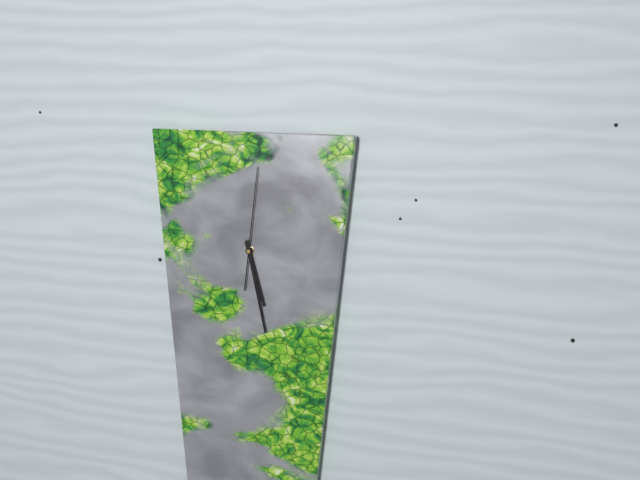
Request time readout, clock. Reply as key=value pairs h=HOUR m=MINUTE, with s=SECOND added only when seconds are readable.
h=5 m=28 s=1
